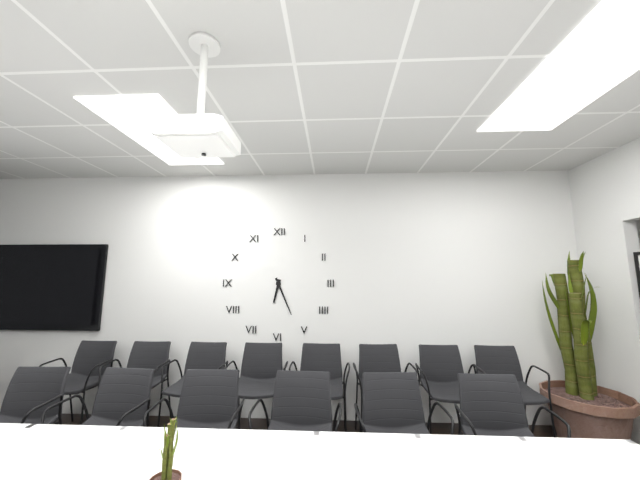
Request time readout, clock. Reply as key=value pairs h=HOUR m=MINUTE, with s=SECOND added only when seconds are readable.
h=6 m=26
